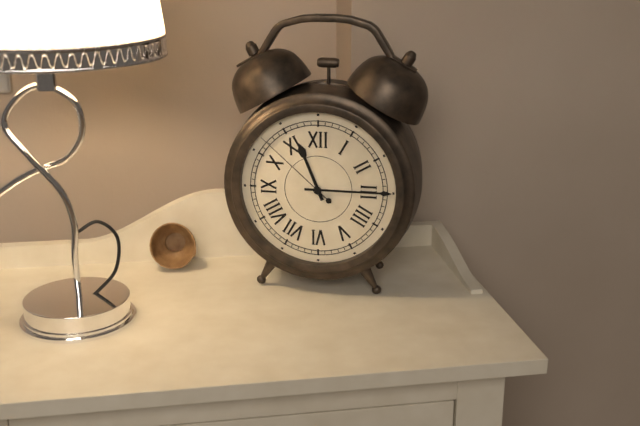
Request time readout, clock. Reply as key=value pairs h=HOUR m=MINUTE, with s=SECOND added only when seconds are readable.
h=11 m=15 s=52
